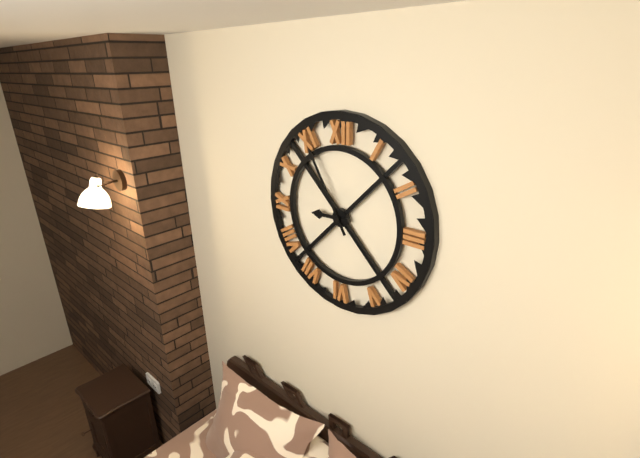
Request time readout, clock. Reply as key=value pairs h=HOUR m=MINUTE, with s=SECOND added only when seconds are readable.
h=8 m=55
